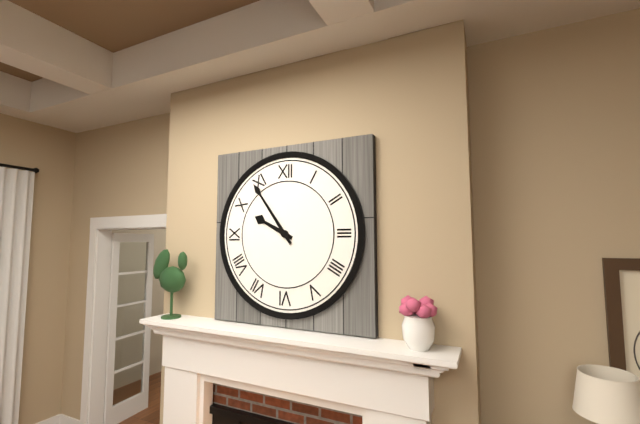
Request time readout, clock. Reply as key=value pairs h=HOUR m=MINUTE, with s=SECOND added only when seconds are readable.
h=9 m=54
